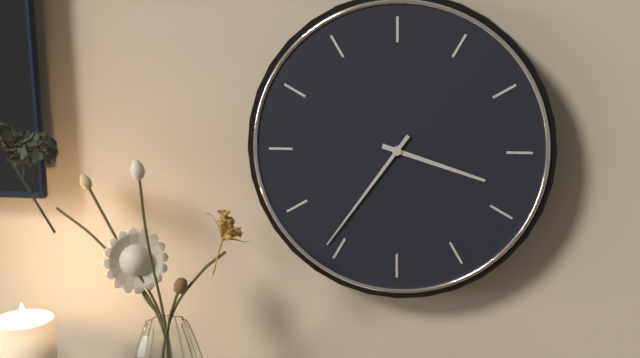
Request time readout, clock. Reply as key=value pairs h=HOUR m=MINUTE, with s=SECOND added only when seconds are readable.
h=3 m=36
